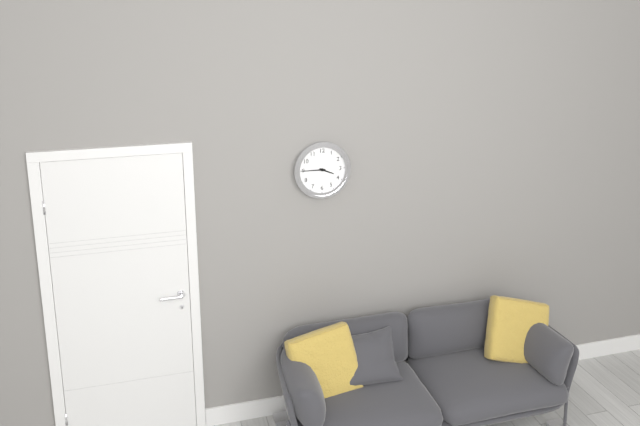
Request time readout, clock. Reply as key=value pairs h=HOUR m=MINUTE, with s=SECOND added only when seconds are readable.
h=3 m=45
